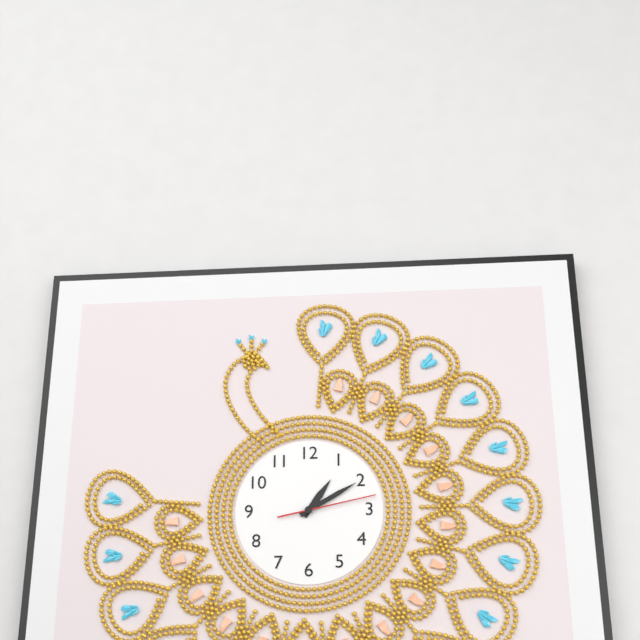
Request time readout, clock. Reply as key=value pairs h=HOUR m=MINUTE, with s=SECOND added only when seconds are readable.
h=1 m=10 s=13
